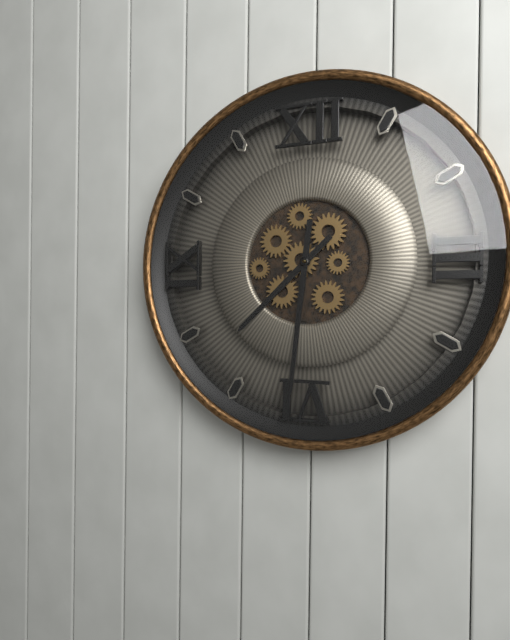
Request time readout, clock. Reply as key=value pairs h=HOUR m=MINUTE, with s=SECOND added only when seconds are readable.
h=7 m=31
